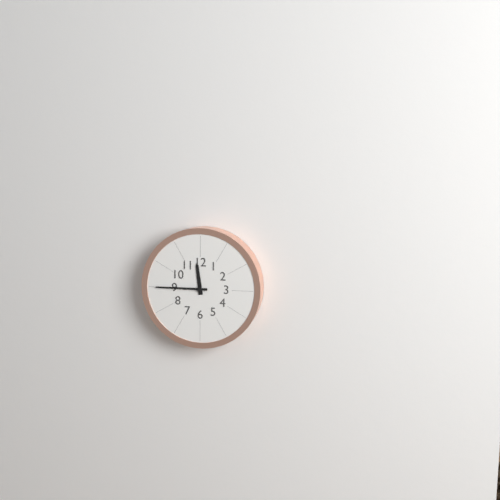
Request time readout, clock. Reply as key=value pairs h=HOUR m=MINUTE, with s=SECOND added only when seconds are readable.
h=11 m=45
